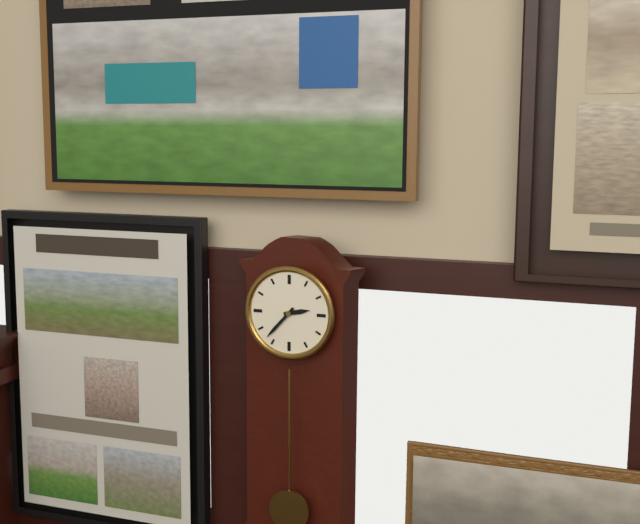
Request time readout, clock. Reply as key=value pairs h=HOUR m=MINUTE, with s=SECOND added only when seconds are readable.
h=2 m=37
